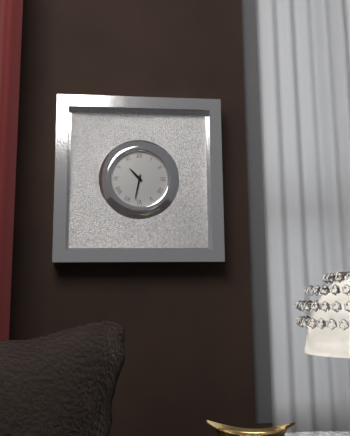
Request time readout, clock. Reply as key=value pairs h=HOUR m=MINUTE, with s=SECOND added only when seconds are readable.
h=10 m=32
